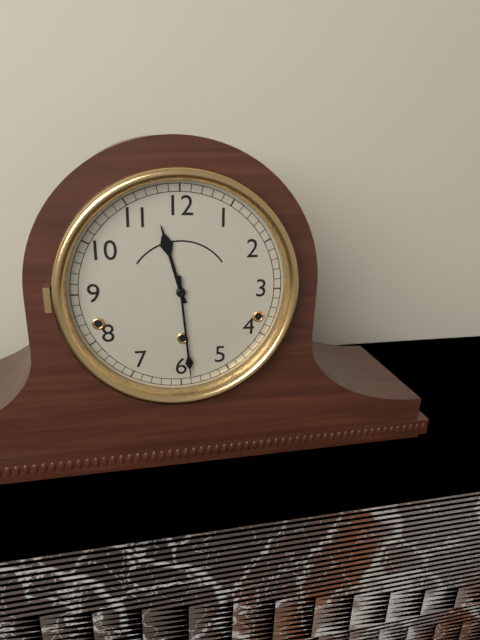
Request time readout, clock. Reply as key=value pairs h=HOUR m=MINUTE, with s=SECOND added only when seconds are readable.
h=11 m=29
